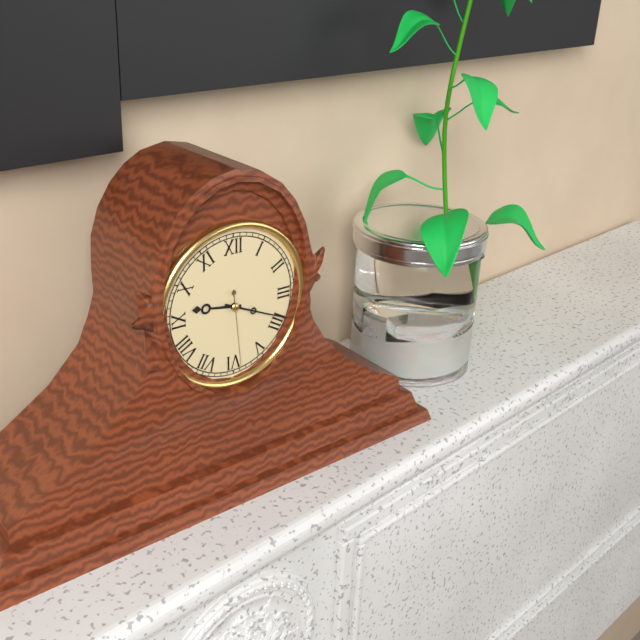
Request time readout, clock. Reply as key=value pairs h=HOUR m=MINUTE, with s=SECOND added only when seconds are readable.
h=9 m=19 s=29
